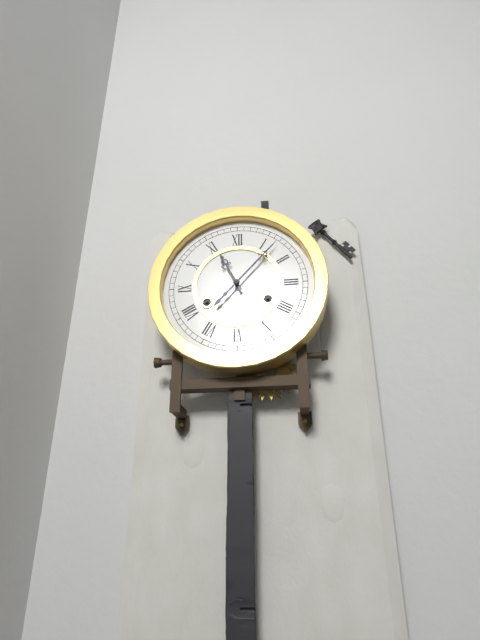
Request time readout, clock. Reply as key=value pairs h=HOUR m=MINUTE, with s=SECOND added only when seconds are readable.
h=11 m=7
